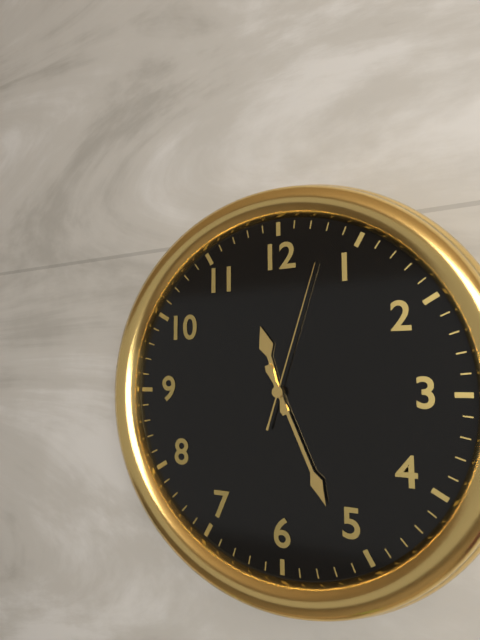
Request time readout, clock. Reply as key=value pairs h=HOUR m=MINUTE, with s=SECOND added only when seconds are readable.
h=11 m=26 s=3
